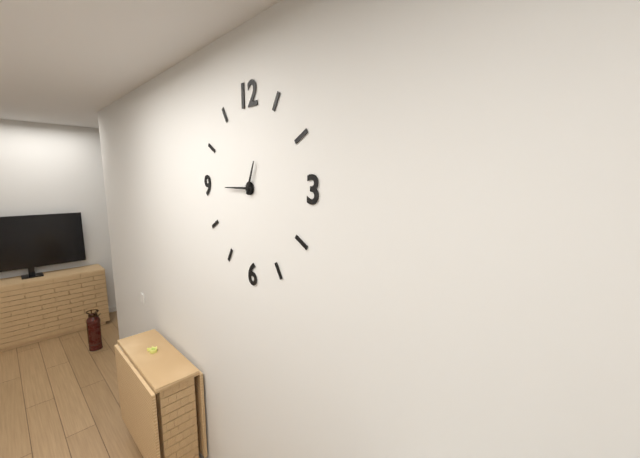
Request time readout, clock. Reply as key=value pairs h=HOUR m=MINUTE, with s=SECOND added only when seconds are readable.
h=12 m=45
